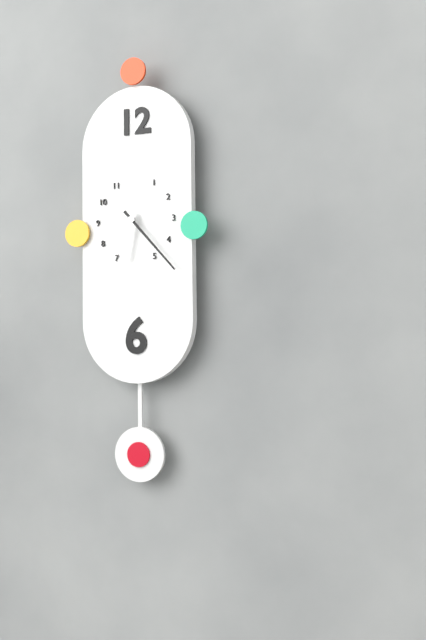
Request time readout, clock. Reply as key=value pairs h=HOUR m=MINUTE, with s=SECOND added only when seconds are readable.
h=6 m=23
